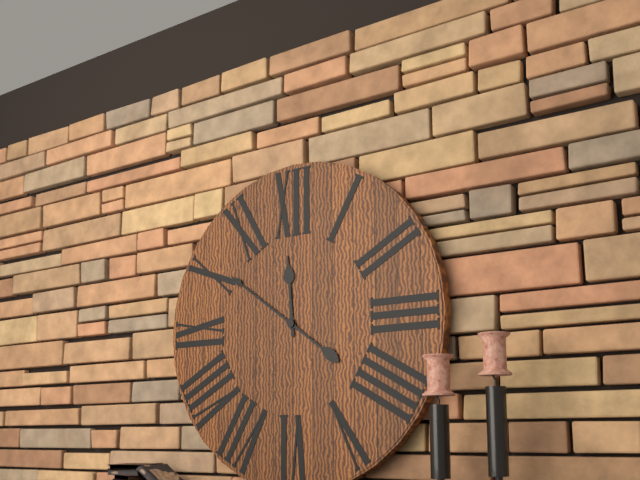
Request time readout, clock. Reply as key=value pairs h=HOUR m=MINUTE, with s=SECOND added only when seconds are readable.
h=11 m=51
